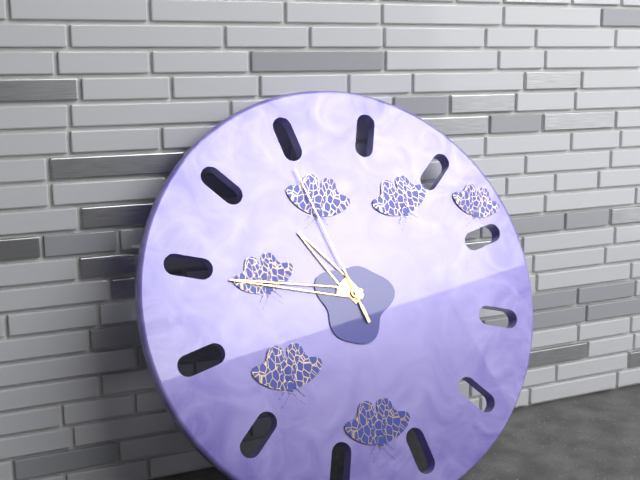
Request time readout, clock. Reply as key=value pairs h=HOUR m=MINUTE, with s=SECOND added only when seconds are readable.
h=10 m=47 s=57
